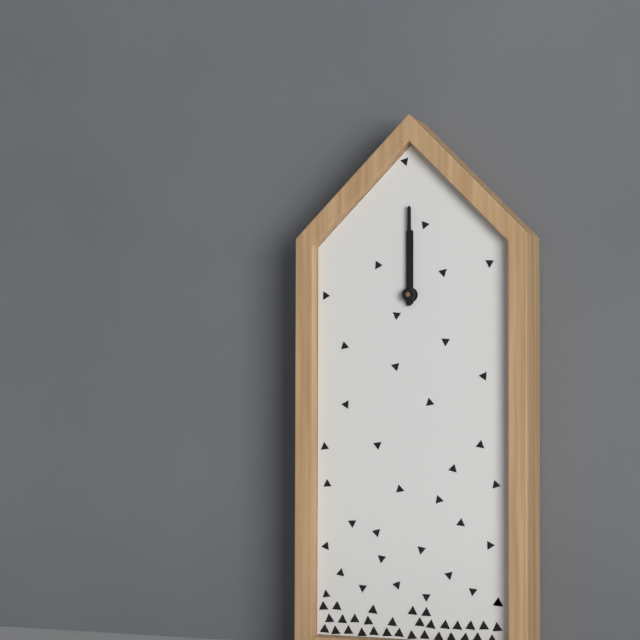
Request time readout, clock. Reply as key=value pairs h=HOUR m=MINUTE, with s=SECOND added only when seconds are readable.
h=12 m=0
